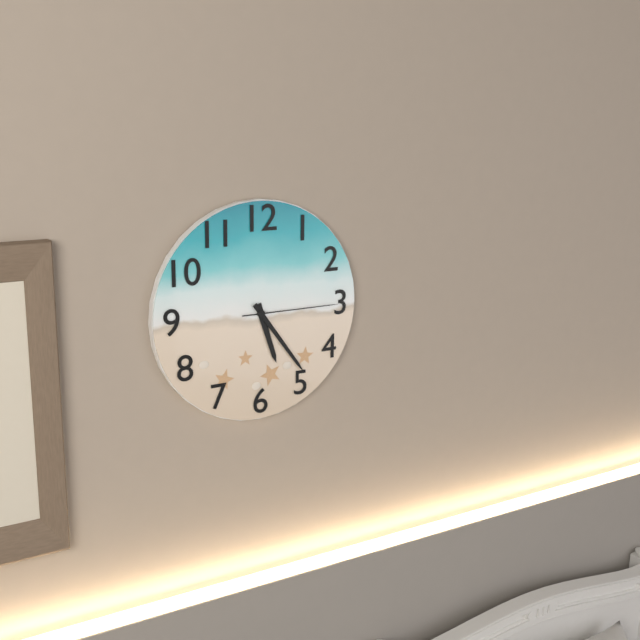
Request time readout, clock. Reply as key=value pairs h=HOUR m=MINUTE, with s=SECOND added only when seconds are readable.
h=5 m=24 s=15
